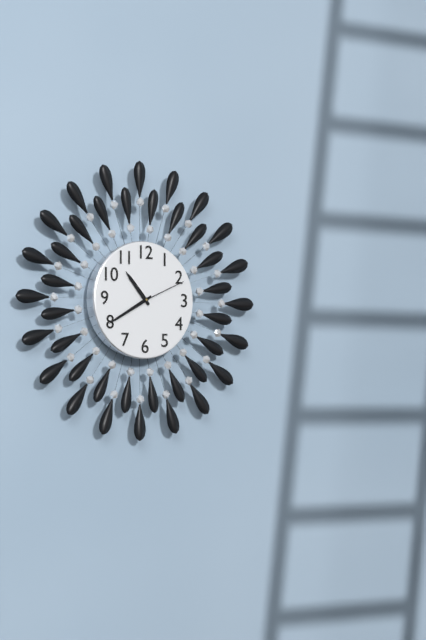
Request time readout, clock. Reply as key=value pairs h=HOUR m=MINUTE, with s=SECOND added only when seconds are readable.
h=10 m=40 s=11
